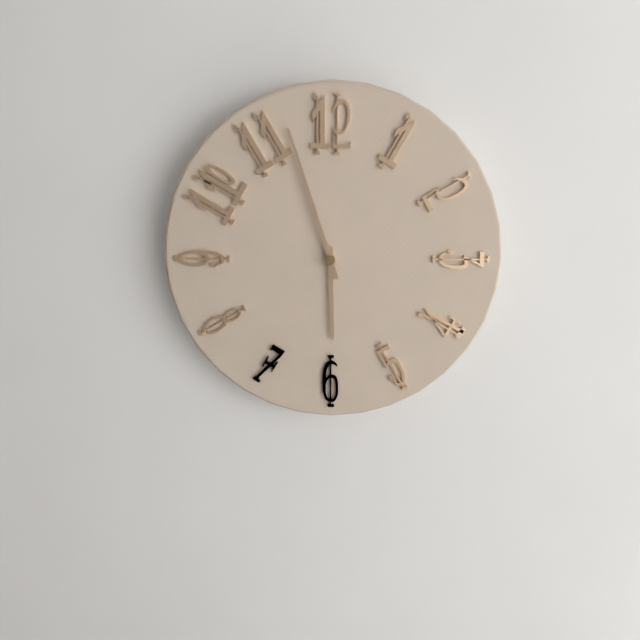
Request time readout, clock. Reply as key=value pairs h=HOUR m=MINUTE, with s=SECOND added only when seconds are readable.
h=5 m=57
